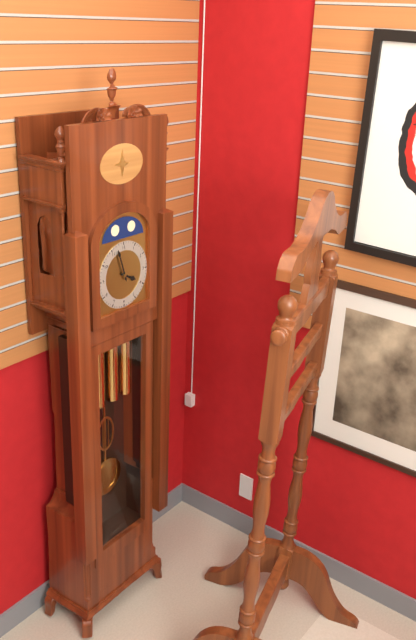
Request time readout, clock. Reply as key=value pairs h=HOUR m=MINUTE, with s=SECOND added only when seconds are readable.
h=3 m=57
